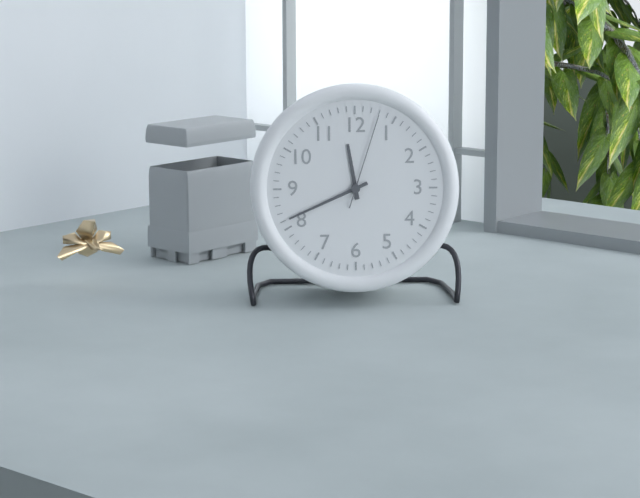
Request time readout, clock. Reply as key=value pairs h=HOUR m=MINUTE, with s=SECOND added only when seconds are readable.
h=11 m=41 s=3
